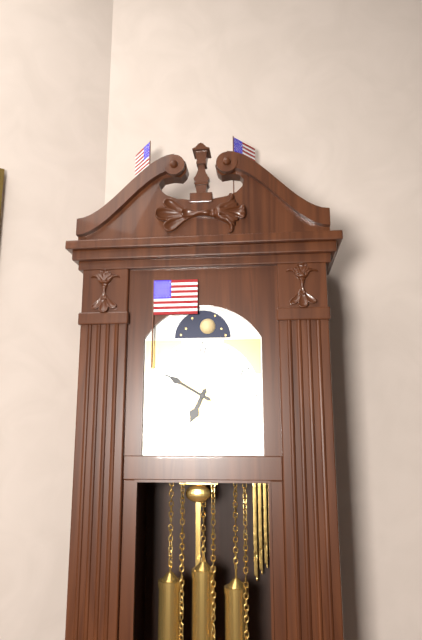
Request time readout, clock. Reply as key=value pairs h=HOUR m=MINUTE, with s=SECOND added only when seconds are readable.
h=6 m=50
